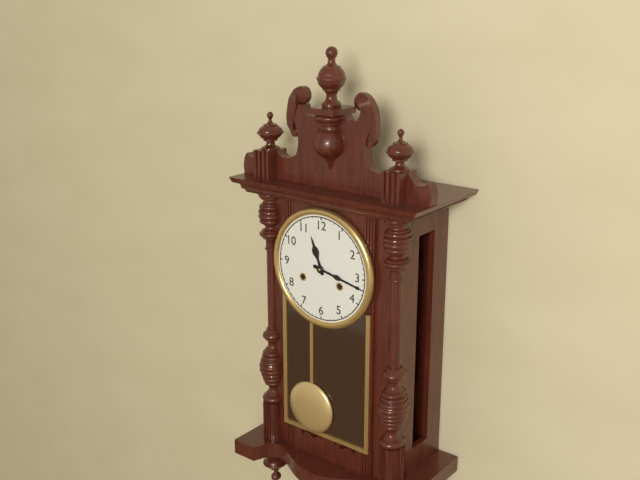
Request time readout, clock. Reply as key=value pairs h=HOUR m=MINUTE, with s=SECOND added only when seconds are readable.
h=11 m=17
